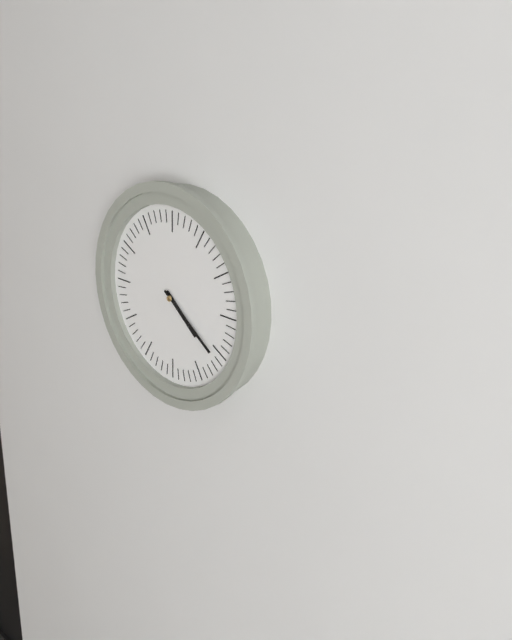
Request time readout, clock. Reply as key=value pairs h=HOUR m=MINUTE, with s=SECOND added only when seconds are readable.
h=4 m=21
